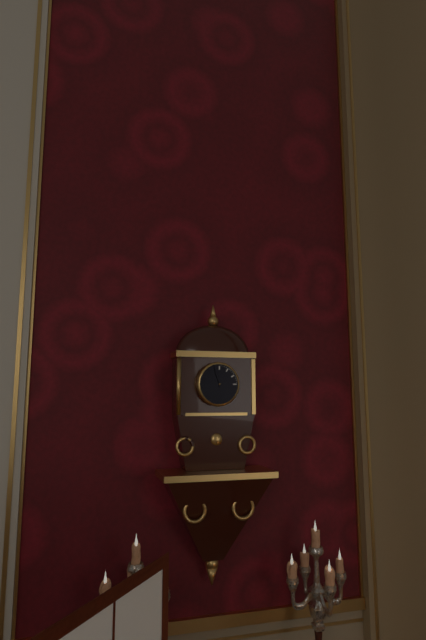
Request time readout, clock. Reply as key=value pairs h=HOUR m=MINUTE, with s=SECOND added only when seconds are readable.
h=11 m=57
